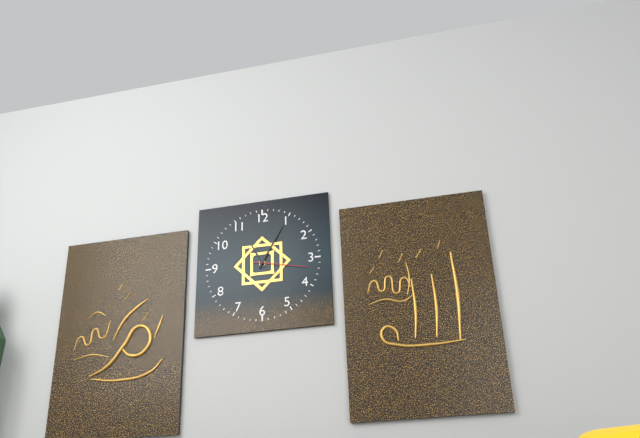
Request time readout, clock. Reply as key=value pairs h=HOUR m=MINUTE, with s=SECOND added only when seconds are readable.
h=11 m=5 s=17
